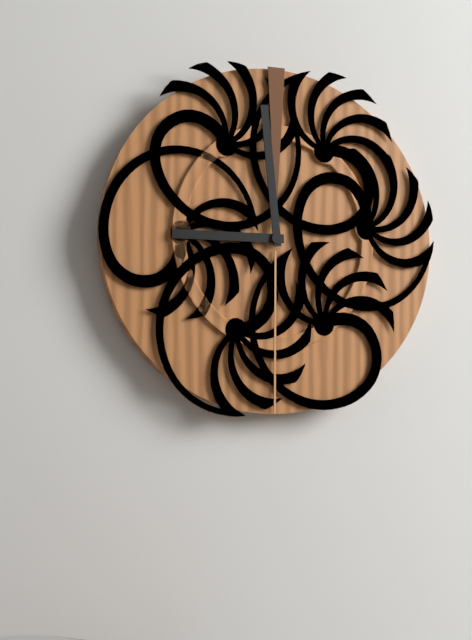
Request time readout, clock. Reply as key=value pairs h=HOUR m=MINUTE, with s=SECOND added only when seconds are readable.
h=8 m=59
